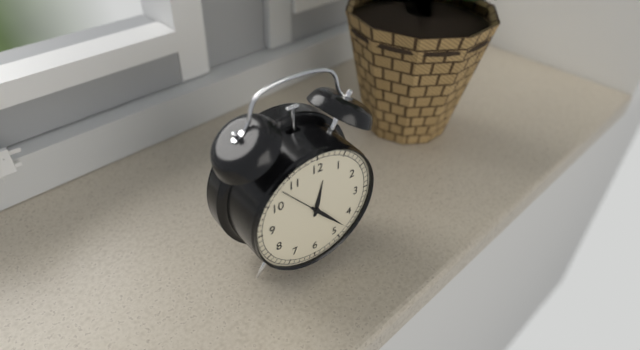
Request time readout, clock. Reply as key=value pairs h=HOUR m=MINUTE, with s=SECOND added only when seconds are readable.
h=12 m=23
